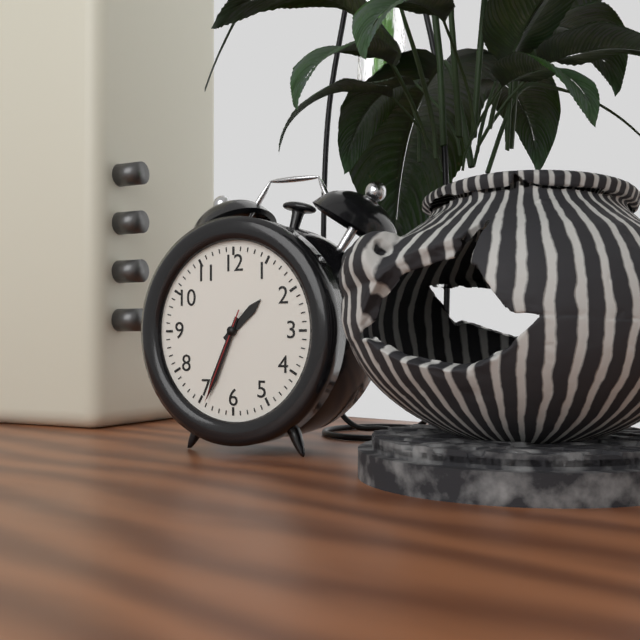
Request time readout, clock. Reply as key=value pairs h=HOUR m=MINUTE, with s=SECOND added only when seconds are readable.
h=1 m=34 s=34
